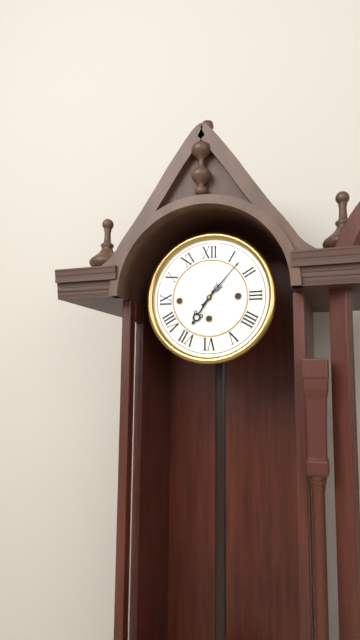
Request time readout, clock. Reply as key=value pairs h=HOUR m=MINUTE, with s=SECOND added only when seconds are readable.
h=7 m=7
